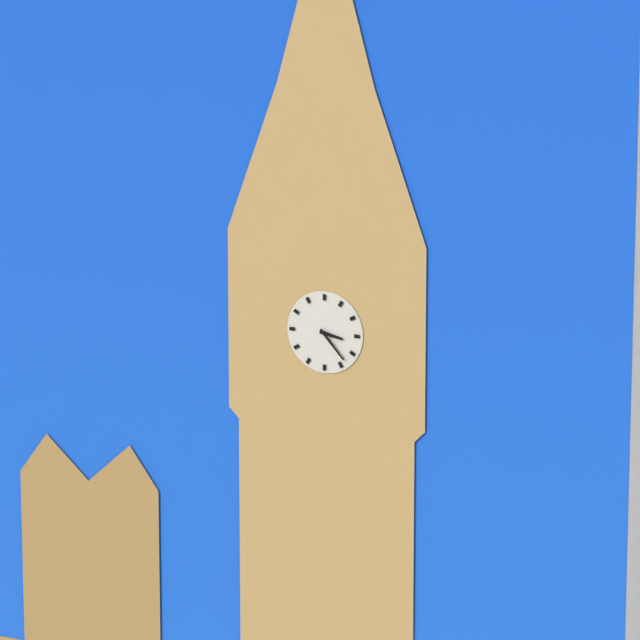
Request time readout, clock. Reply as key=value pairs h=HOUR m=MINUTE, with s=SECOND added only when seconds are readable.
h=3 m=23
